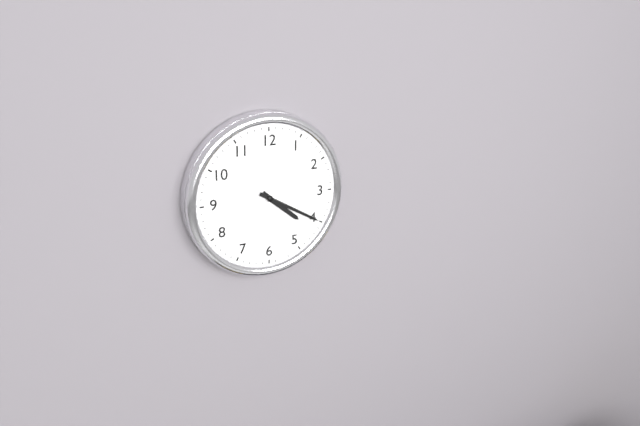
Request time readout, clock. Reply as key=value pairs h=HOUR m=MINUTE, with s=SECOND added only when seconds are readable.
h=4 m=20
